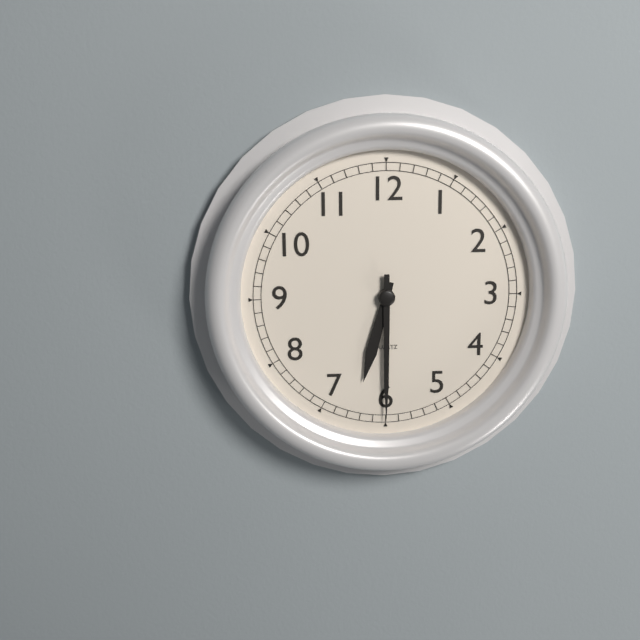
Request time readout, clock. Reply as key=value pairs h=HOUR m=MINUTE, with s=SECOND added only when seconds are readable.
h=6 m=30
